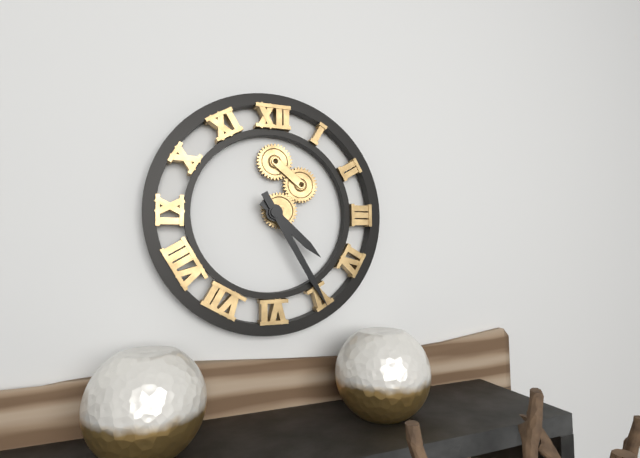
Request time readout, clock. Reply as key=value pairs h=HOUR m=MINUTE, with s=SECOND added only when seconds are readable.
h=4 m=25
